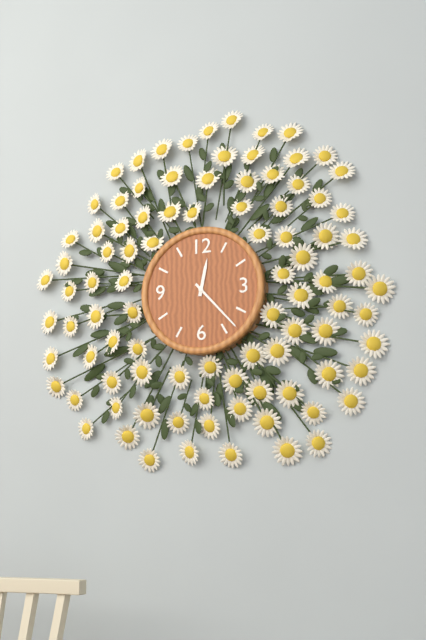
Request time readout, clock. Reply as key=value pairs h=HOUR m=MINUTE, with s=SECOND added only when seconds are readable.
h=12 m=23
